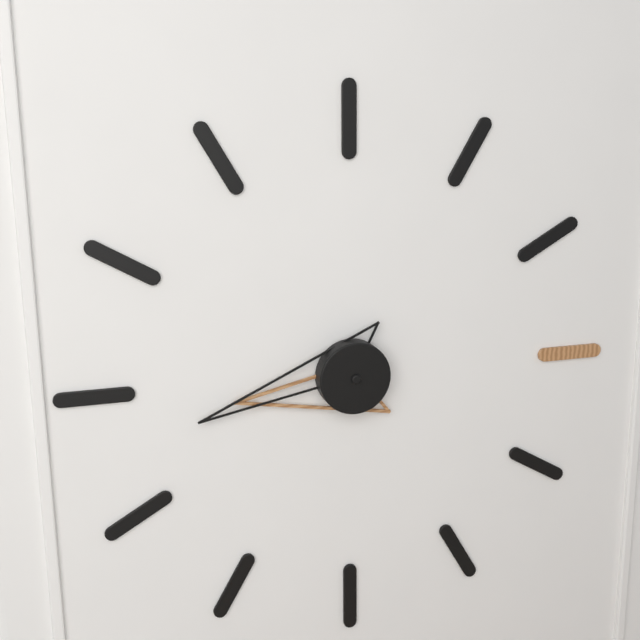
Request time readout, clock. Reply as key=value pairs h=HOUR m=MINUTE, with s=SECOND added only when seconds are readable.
h=8 m=43
